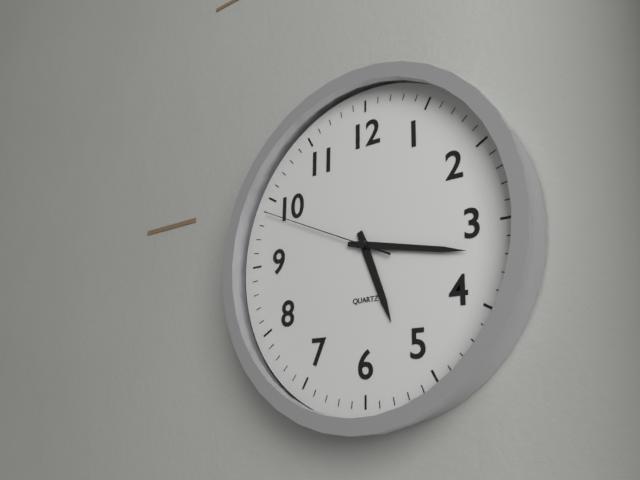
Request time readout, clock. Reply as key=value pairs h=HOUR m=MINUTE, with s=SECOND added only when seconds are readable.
h=5 m=17 s=49
